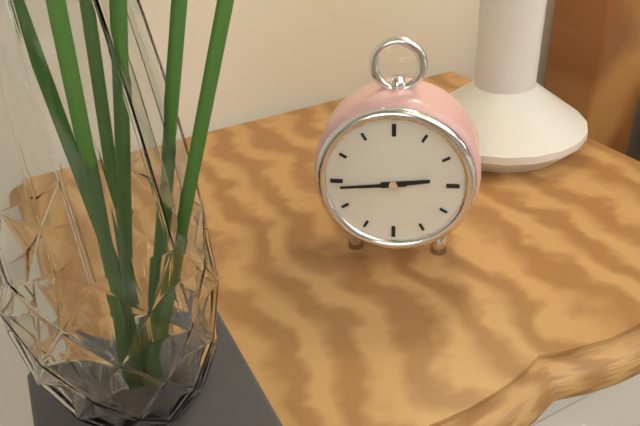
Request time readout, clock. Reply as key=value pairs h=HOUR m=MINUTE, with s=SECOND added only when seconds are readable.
h=2 m=44
